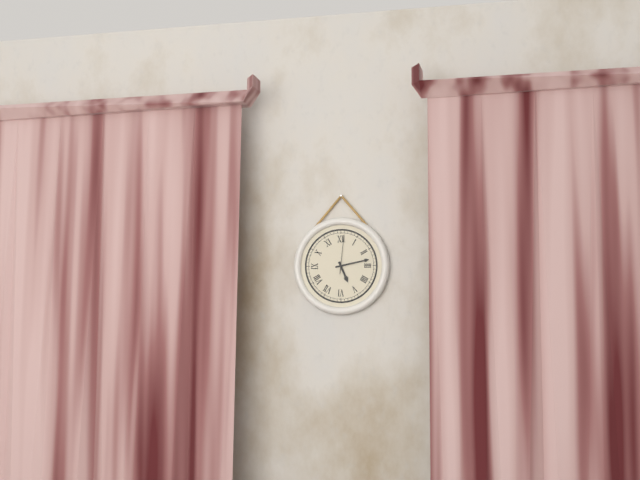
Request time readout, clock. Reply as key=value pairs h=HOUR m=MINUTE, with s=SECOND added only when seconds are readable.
h=5 m=13
